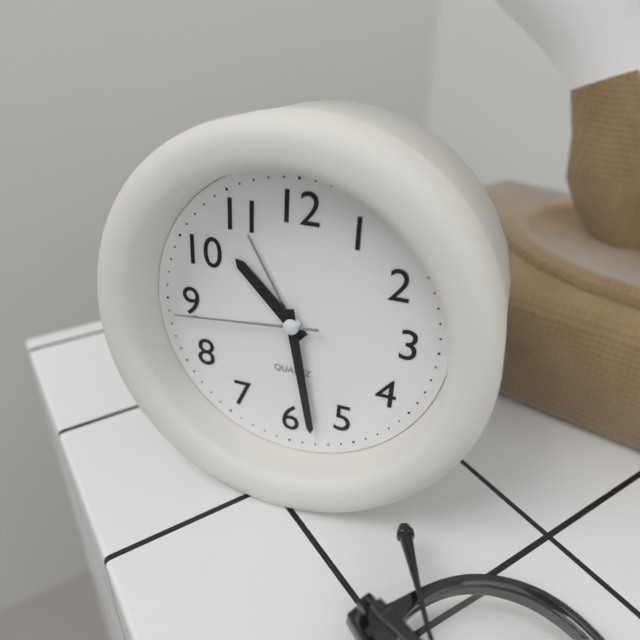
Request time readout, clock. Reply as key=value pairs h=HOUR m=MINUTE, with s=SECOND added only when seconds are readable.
h=10 m=28 s=44
